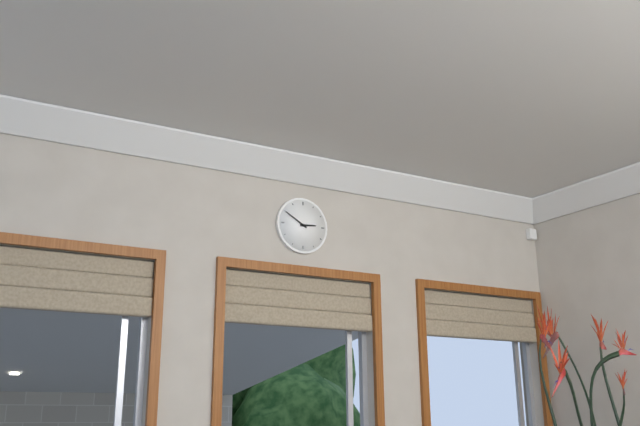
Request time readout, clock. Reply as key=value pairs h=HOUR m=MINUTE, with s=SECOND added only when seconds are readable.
h=2 m=50
